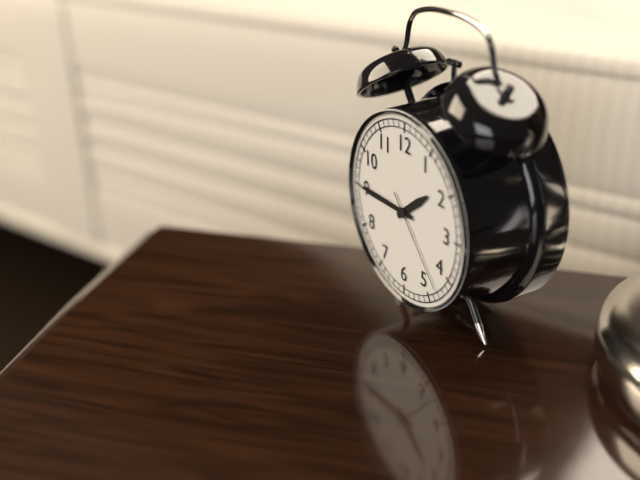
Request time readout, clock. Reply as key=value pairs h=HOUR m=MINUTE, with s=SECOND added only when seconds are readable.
h=1 m=45 s=23
